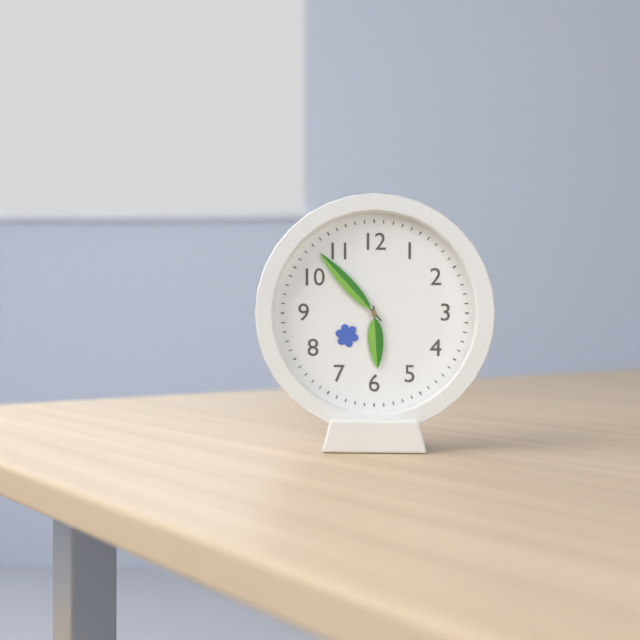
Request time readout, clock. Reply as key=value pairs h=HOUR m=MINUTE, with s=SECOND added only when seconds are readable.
h=5 m=53
